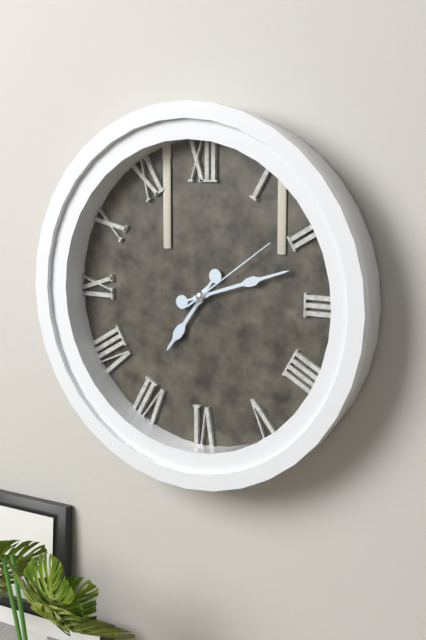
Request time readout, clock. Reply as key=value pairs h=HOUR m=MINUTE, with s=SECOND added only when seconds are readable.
h=7 m=12 s=9
